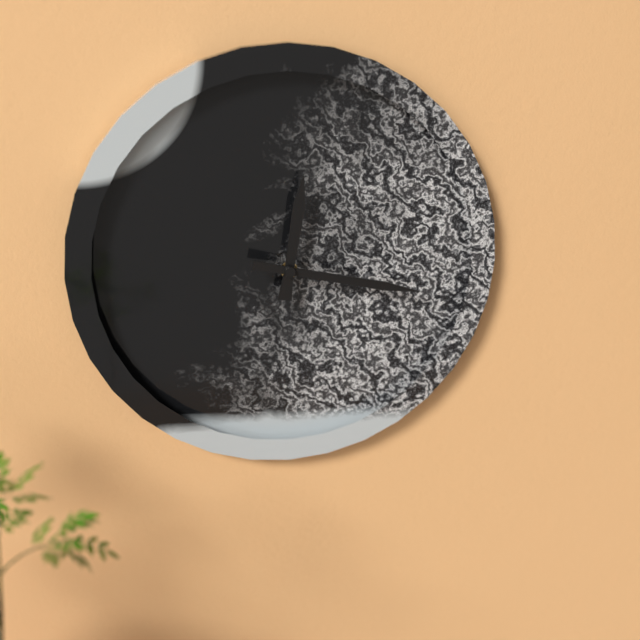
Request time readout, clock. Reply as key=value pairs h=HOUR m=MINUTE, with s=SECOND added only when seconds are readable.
h=12 m=17
